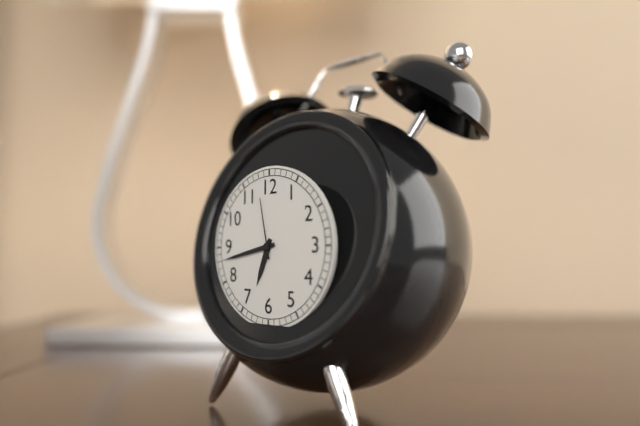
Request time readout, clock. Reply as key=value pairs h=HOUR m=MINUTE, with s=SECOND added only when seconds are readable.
h=6 m=43 s=58
